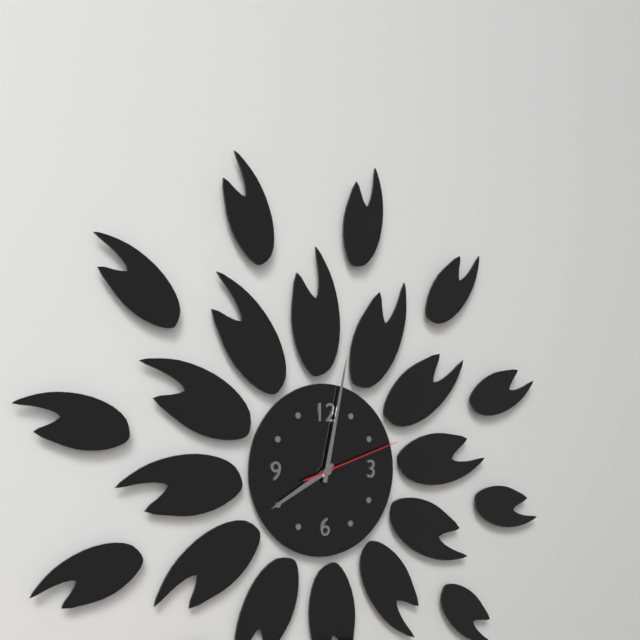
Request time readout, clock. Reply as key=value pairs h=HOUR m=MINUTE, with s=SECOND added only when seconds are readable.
h=8 m=2 s=12
